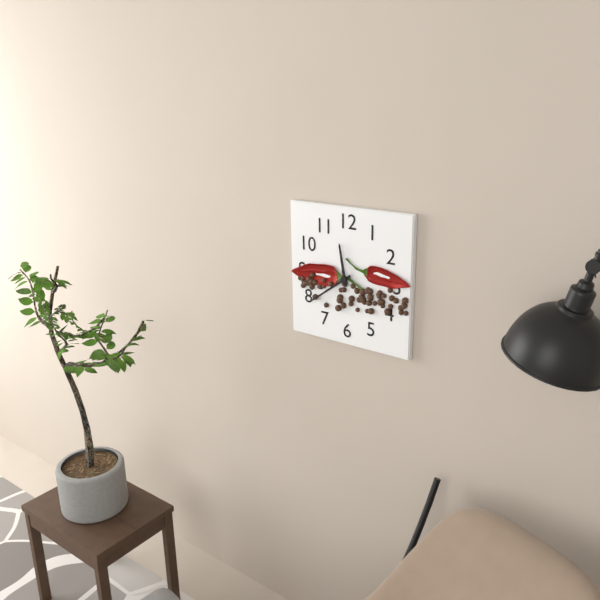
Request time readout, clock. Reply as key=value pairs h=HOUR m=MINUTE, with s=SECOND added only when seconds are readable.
h=11 m=39
